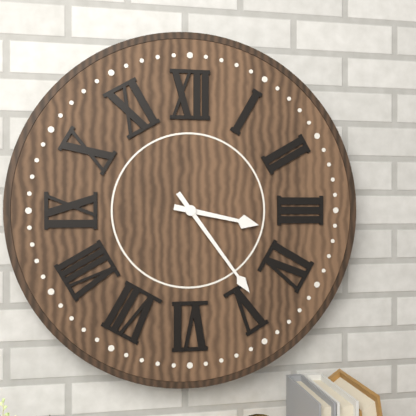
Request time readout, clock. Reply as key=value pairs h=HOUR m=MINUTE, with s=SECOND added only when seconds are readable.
h=3 m=24
